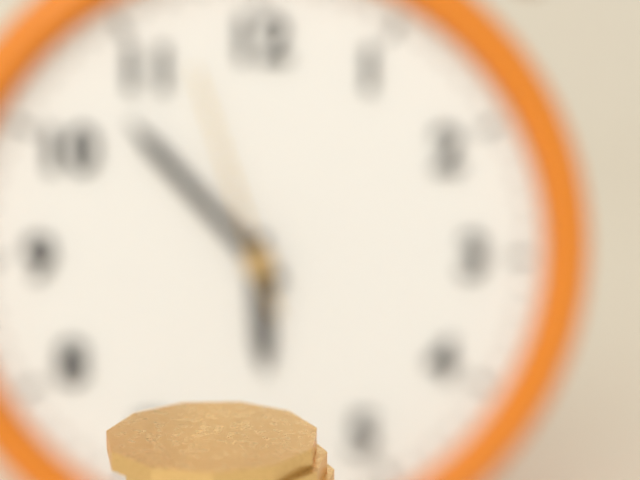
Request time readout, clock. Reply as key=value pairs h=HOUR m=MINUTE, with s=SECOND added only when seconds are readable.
h=5 m=53 s=57
